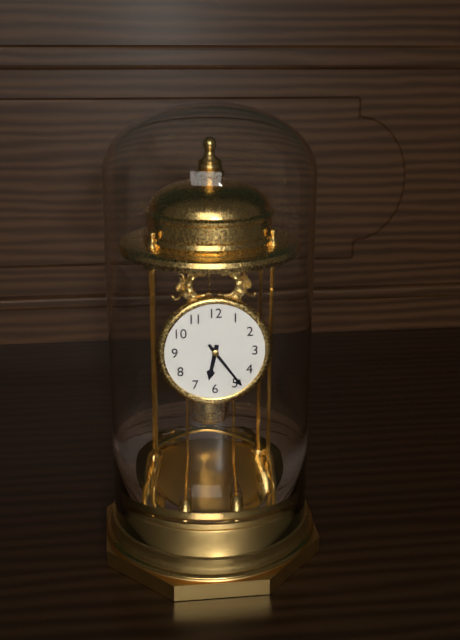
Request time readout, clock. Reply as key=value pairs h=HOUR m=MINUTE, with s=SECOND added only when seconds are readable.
h=6 m=24
